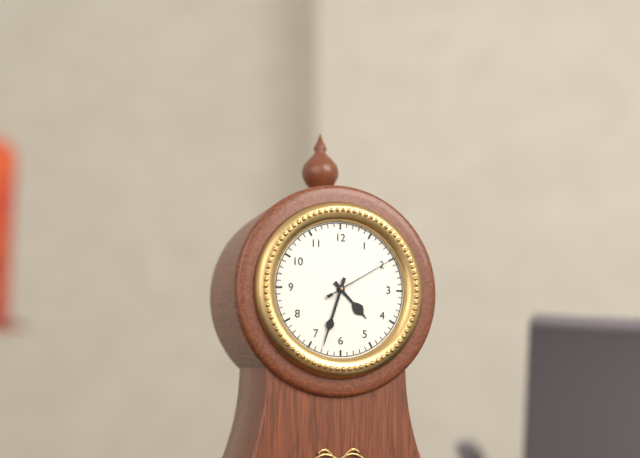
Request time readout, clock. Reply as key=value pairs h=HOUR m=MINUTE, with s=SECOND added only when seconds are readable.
h=4 m=33 s=10
